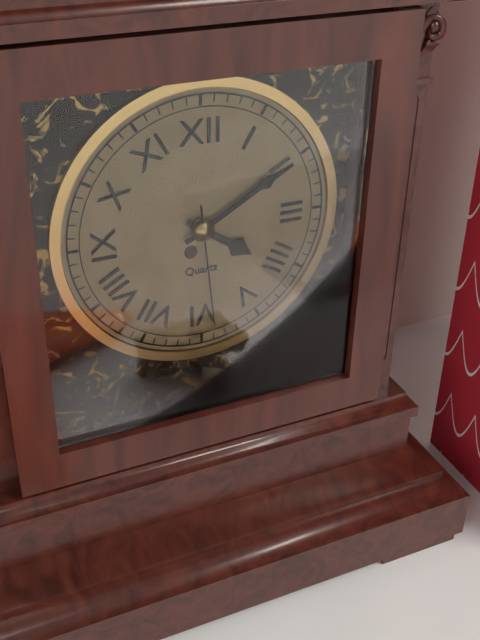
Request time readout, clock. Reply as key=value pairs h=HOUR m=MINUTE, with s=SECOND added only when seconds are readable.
h=4 m=10 s=29
